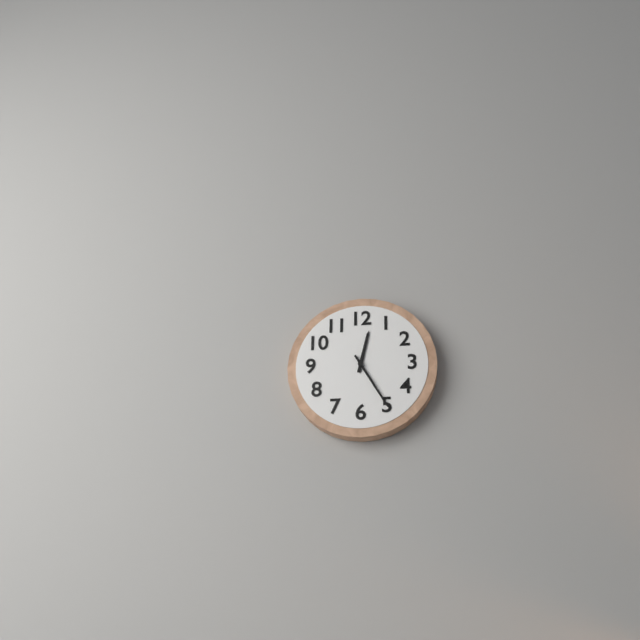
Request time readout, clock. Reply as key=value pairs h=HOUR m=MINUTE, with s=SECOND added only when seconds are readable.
h=12 m=25
